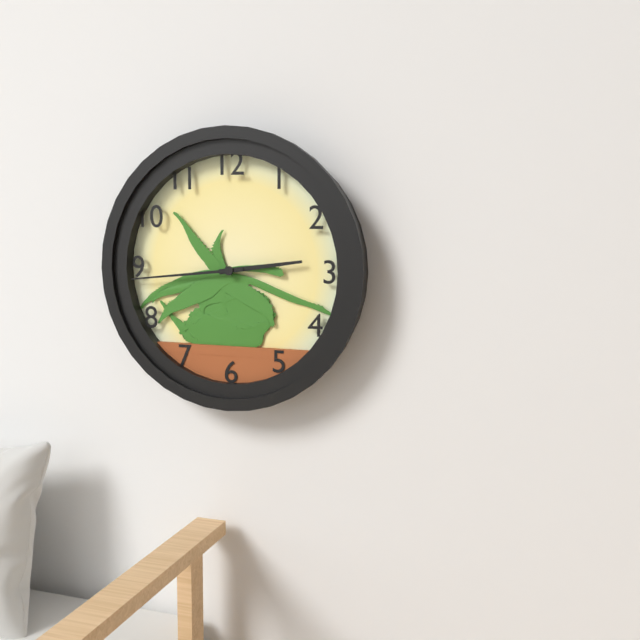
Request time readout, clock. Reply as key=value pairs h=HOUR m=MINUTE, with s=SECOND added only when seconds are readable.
h=2 m=44
